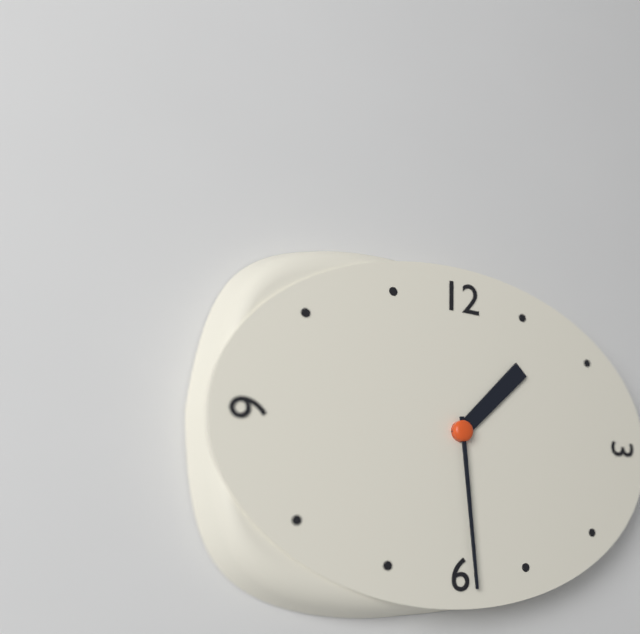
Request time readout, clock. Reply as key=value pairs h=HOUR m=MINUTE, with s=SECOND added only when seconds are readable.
h=1 m=29
